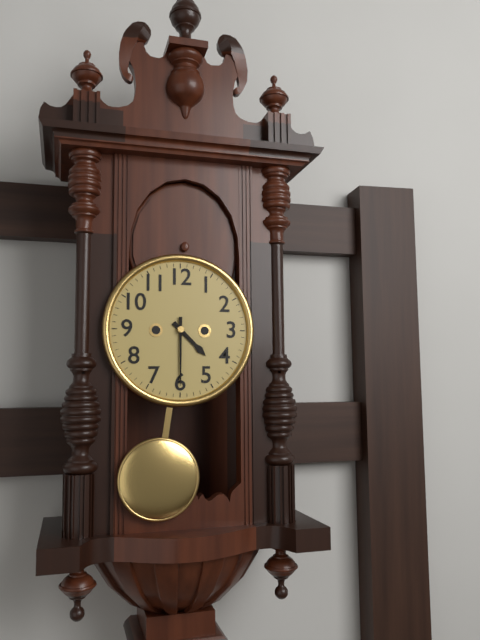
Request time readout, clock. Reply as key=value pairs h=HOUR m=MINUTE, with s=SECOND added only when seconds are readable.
h=4 m=30
